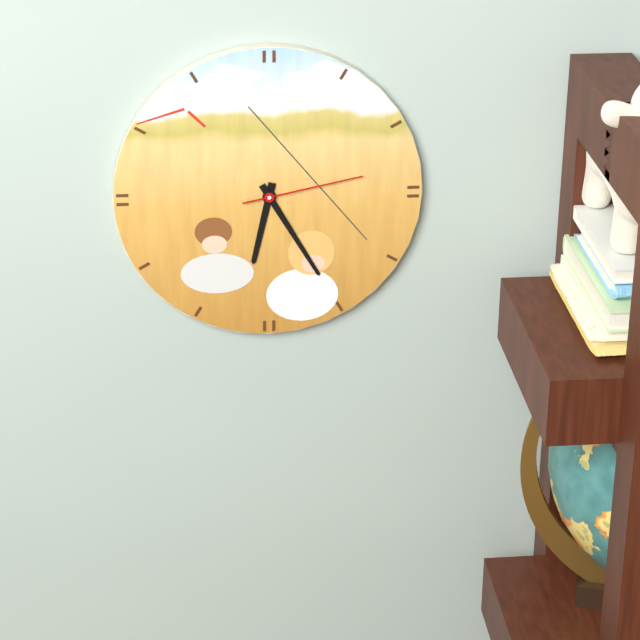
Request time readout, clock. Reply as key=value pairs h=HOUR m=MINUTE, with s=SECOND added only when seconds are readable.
h=6 m=25 s=13
